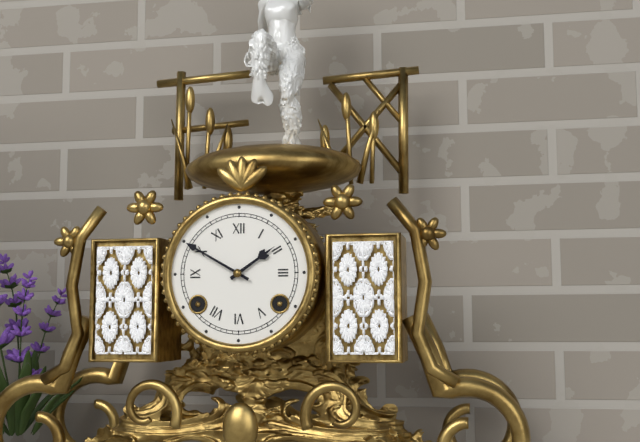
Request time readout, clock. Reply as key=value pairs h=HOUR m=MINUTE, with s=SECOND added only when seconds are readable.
h=1 m=50
